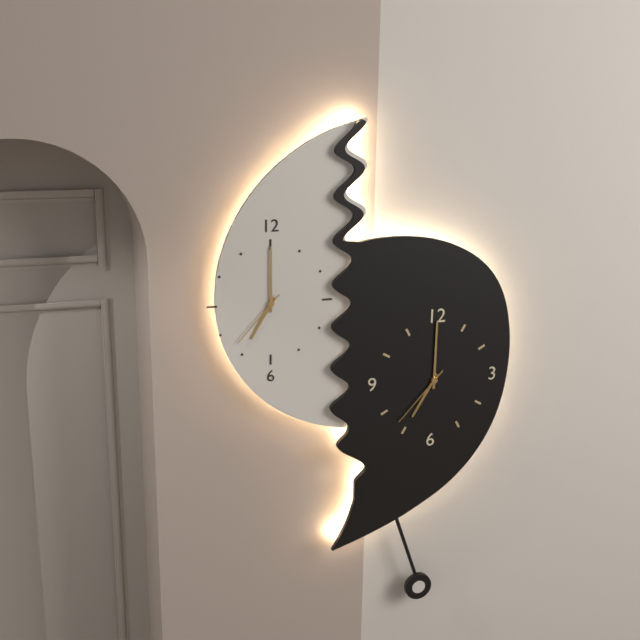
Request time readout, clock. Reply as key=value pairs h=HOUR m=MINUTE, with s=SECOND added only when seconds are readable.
h=7 m=0 s=37
